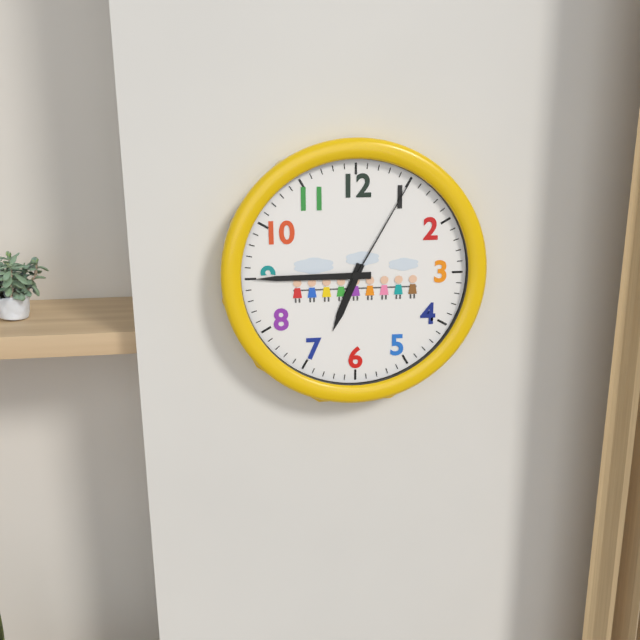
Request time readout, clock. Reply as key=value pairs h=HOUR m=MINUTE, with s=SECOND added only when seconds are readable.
h=6 m=45 s=5
